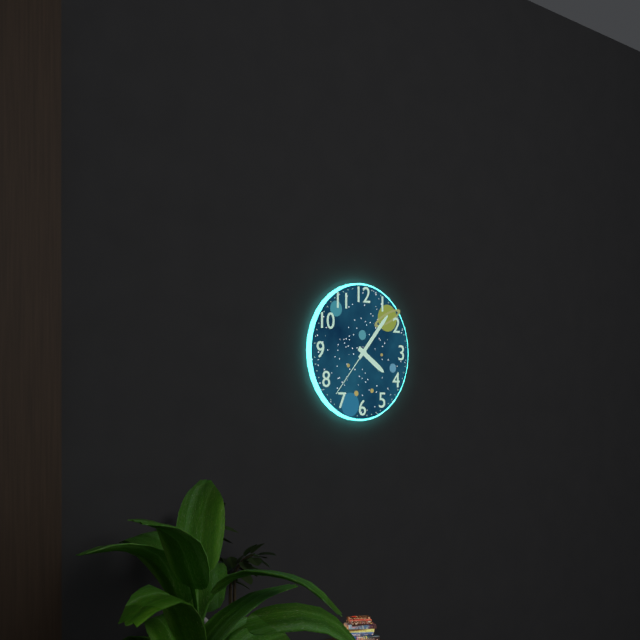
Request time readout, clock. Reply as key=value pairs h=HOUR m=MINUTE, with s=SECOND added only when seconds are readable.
h=4 m=7 s=37
